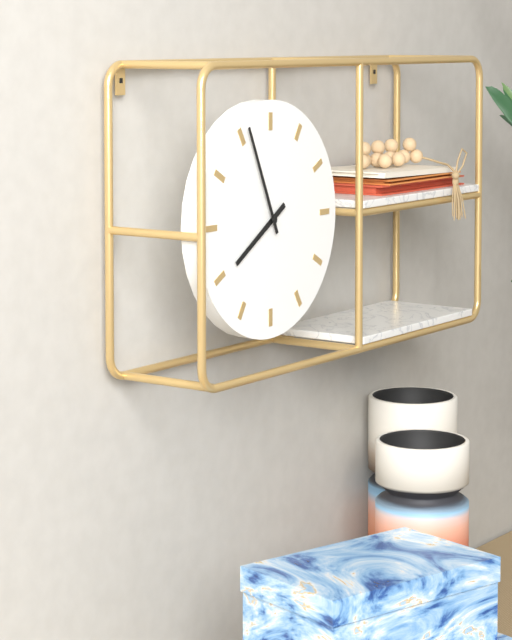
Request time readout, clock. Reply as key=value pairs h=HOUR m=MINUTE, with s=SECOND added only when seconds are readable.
h=7 m=56
